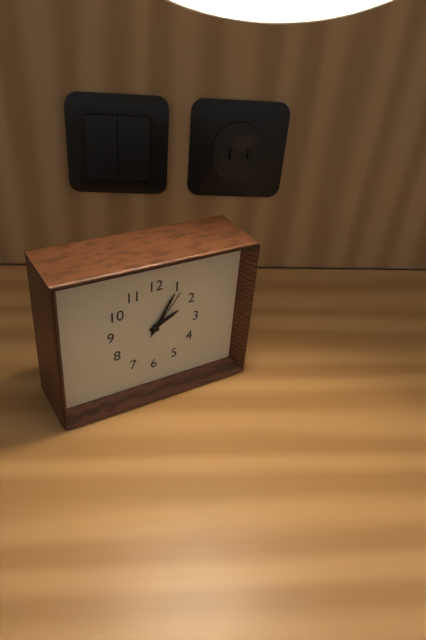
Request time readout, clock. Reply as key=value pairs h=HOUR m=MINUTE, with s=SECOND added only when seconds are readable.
h=2 m=5 s=6
